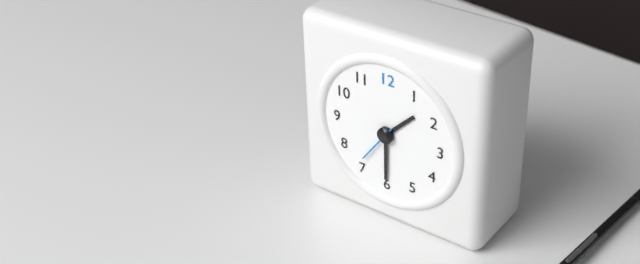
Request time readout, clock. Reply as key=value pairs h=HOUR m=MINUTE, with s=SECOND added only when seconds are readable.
h=1 m=30
